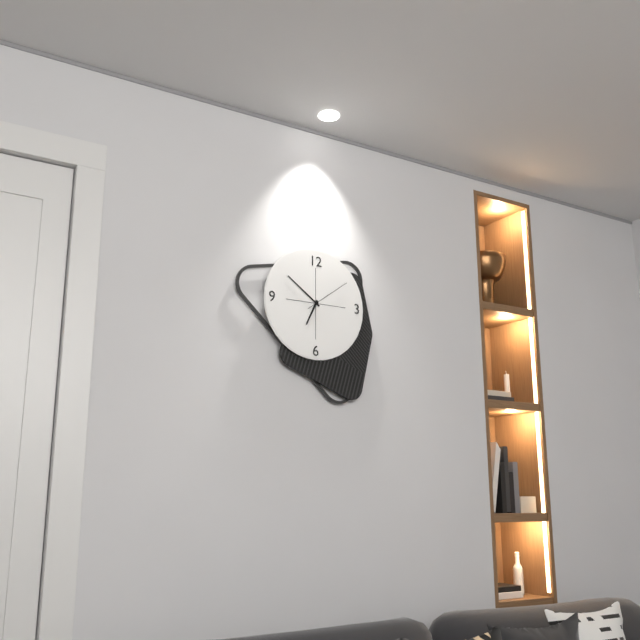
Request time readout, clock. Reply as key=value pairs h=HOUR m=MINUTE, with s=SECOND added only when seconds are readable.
h=6 m=51
